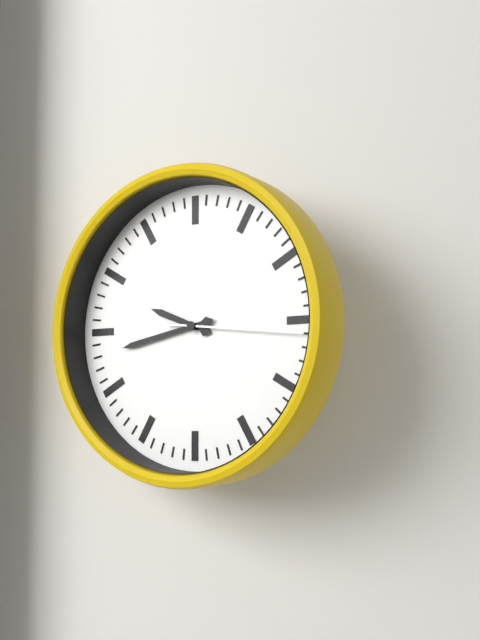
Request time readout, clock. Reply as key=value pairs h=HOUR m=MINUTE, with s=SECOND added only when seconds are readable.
h=9 m=43 s=16
